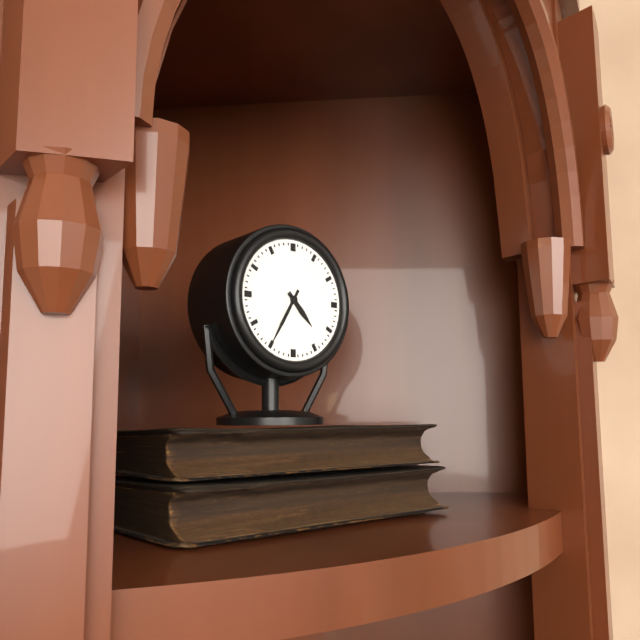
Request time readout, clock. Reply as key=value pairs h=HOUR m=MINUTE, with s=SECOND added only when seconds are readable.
h=4 m=35
